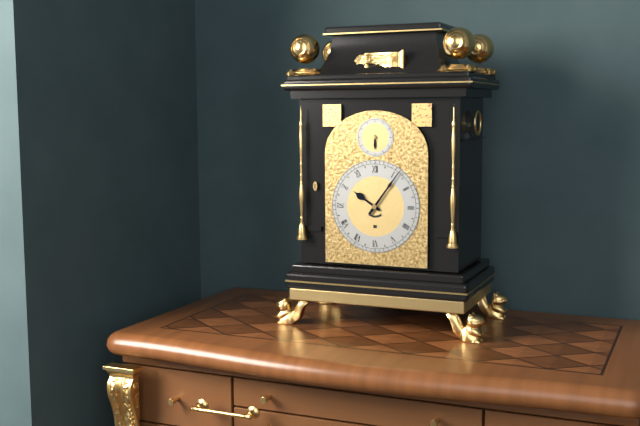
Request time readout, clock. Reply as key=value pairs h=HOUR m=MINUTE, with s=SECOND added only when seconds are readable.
h=10 m=6
